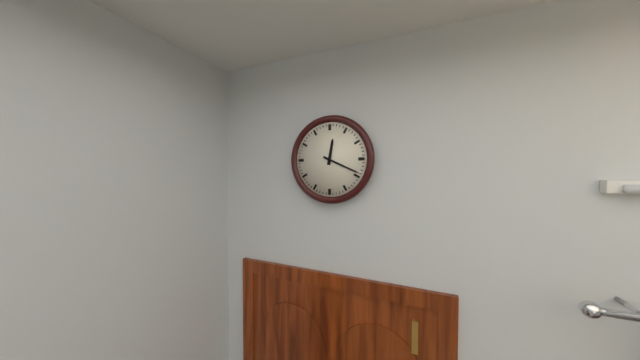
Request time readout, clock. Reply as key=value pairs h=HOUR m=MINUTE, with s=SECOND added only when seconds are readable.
h=12 m=19
